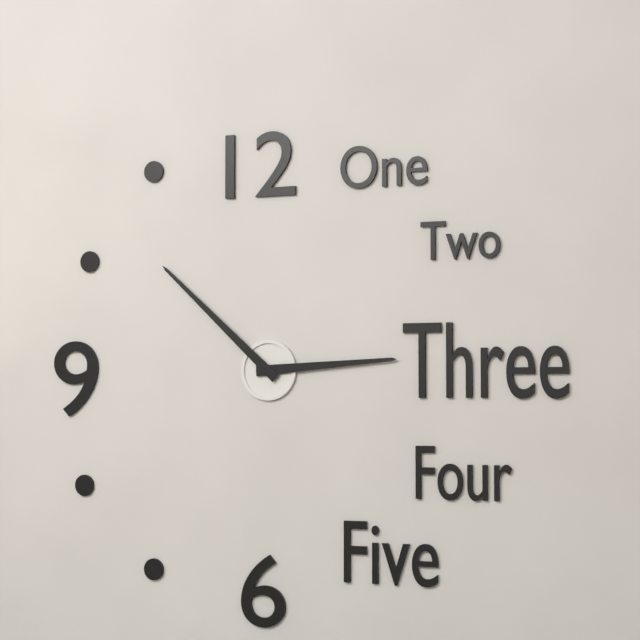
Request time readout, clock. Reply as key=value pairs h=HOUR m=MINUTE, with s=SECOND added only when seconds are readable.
h=2 m=52
